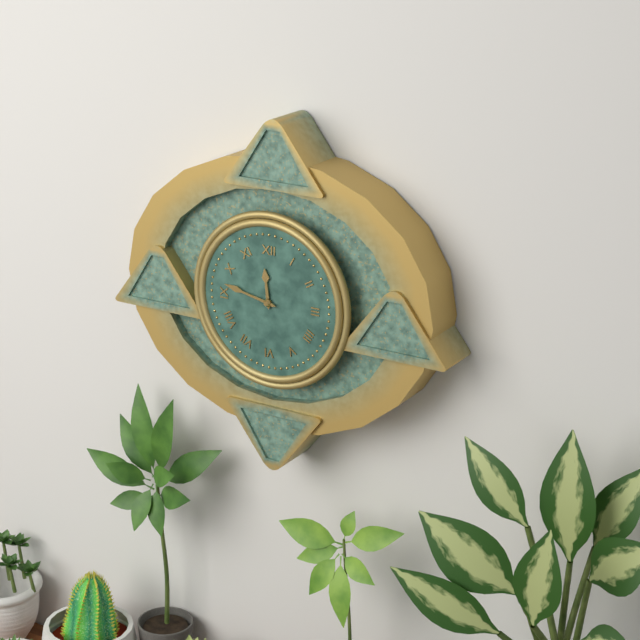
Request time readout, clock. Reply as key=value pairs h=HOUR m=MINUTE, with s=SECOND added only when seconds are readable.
h=11 m=47
